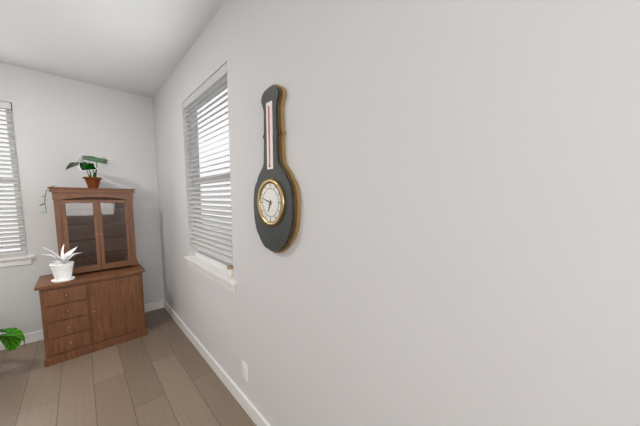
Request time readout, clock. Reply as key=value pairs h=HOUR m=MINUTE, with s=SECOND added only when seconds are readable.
h=6 m=48
